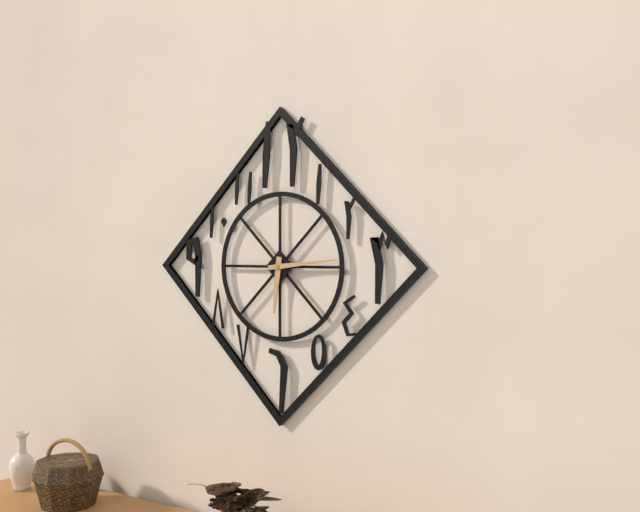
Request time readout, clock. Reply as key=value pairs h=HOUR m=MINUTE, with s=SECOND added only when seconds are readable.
h=6 m=14
